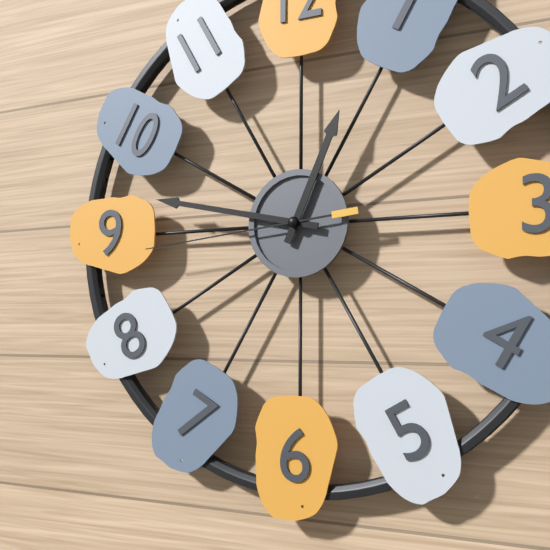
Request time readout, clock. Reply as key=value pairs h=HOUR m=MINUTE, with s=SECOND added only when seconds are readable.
h=12 m=47 s=44
